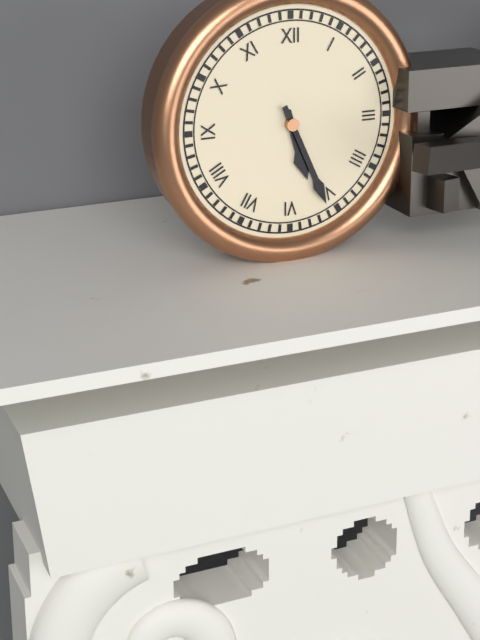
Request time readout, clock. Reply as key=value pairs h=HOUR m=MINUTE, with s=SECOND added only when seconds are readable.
h=5 m=26
